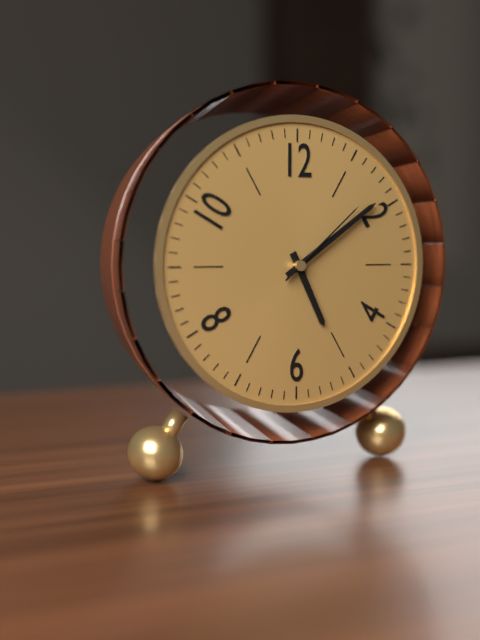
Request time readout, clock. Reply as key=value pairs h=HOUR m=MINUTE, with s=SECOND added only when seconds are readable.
h=5 m=9 s=8
